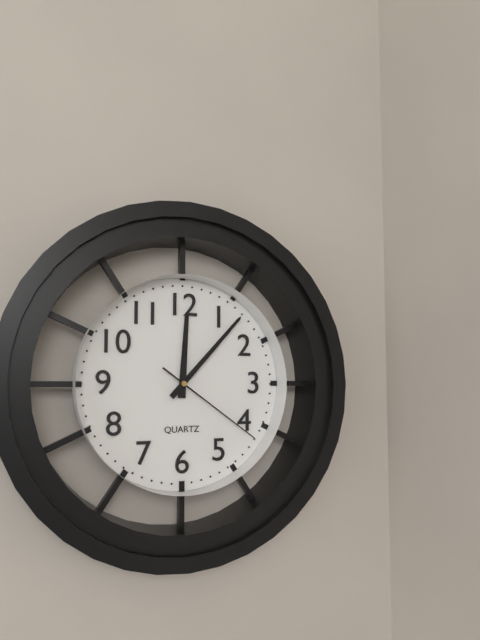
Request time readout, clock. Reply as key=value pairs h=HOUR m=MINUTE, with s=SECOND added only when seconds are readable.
h=12 m=7 s=21
